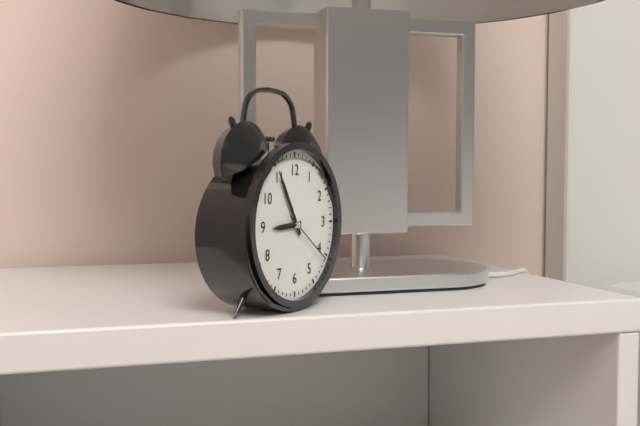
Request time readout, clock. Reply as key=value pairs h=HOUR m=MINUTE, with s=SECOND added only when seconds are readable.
h=8 m=55 s=21
